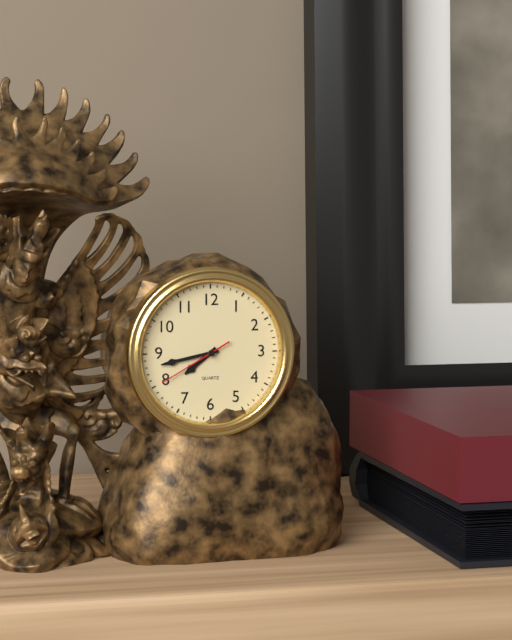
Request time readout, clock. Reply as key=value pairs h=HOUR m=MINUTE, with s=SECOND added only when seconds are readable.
h=7 m=43 s=40
